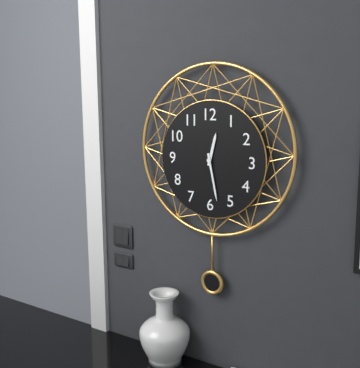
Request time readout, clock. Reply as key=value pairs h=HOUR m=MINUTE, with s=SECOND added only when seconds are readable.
h=12 m=28
